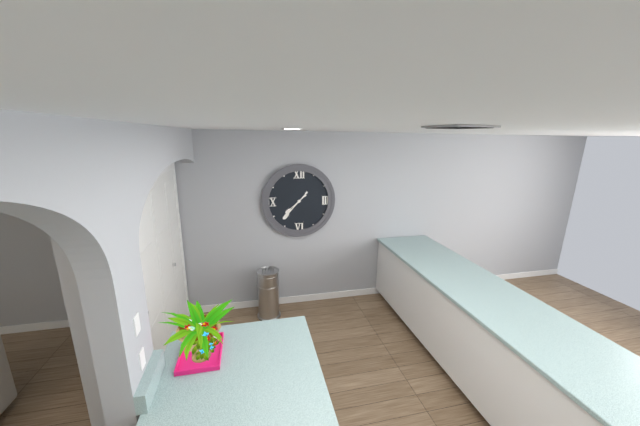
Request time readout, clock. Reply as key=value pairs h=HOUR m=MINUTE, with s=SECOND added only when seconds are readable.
h=7 m=37
